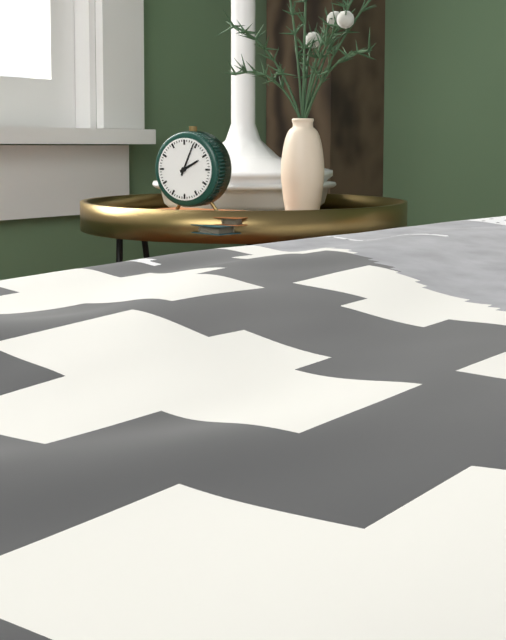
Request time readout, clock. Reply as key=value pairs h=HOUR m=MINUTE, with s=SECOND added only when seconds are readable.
h=2 m=4
